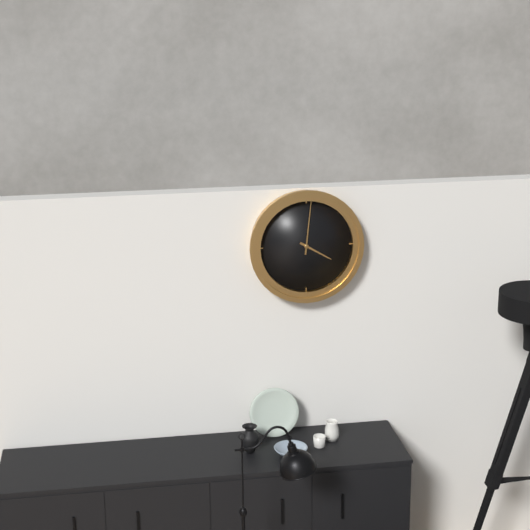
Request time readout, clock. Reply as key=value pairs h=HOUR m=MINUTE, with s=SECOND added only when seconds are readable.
h=4 m=1
